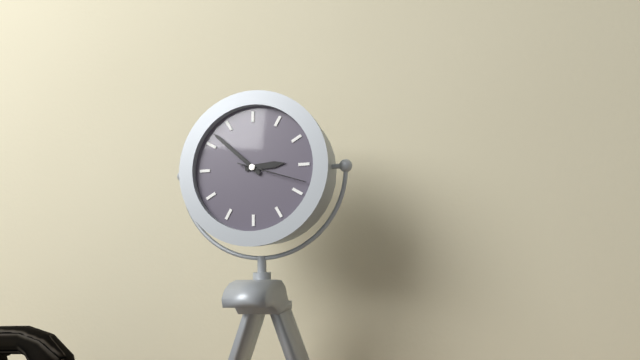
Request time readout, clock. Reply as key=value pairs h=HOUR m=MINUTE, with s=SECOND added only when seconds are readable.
h=2 m=52 s=18
